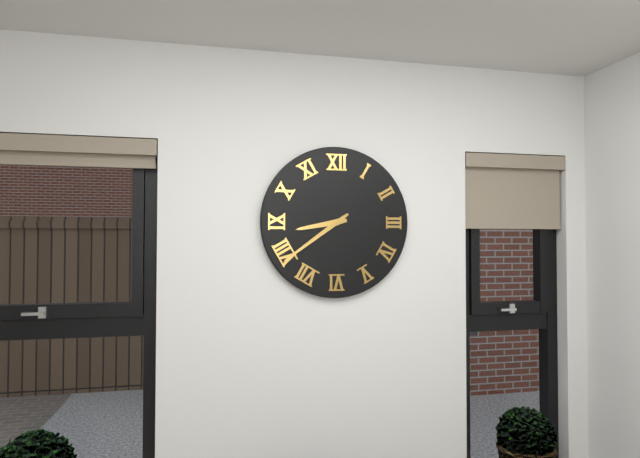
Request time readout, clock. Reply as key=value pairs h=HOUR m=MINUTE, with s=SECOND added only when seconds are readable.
h=8 m=39
